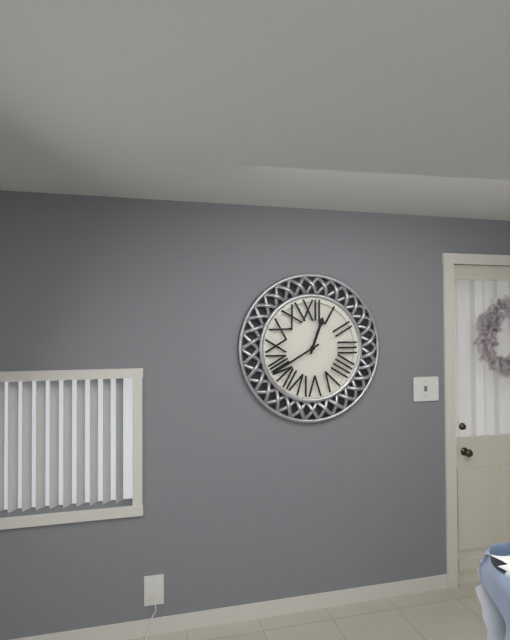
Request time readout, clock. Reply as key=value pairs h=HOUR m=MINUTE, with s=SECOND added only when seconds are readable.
h=12 m=40
